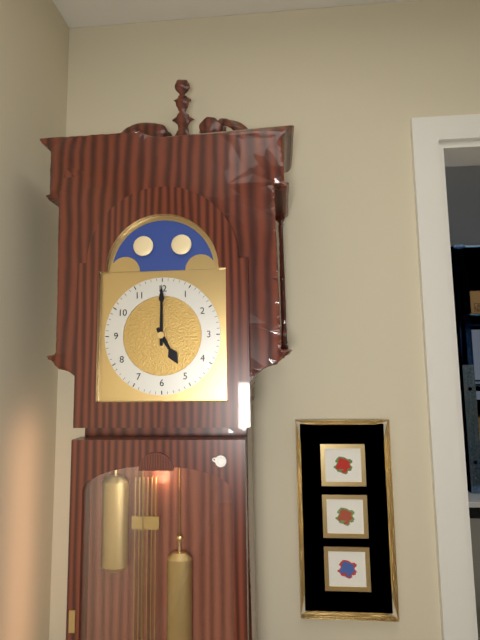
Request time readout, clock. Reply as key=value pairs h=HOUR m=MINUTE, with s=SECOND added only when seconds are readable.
h=5 m=0
